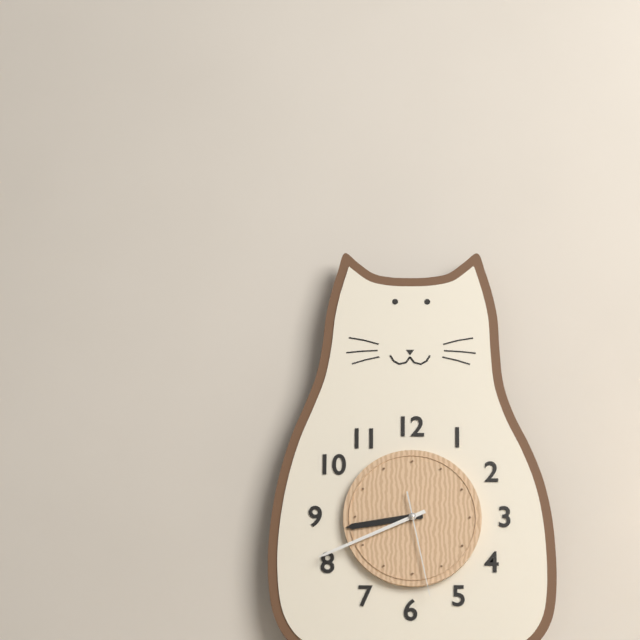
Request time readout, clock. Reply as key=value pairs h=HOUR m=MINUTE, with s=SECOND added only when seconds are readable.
h=8 m=41 s=28
